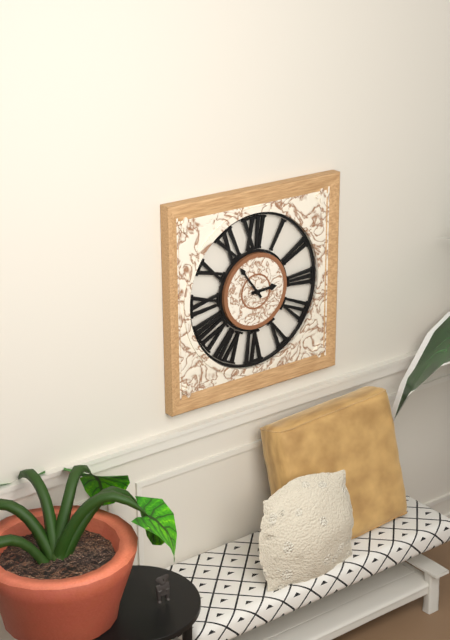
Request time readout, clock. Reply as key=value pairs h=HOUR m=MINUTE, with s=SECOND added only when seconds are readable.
h=2 m=54
